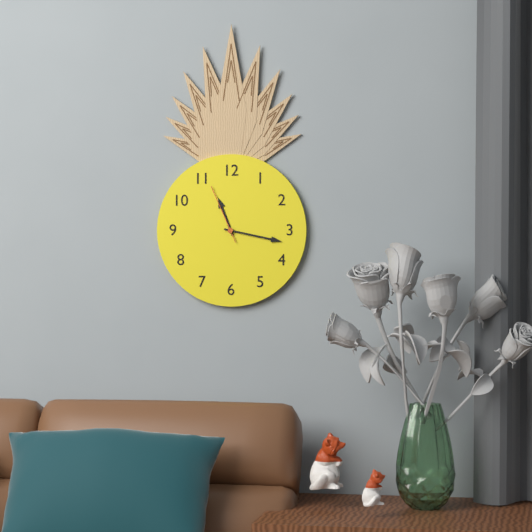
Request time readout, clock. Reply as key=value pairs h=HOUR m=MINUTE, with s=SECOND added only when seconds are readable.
h=11 m=17 s=56
